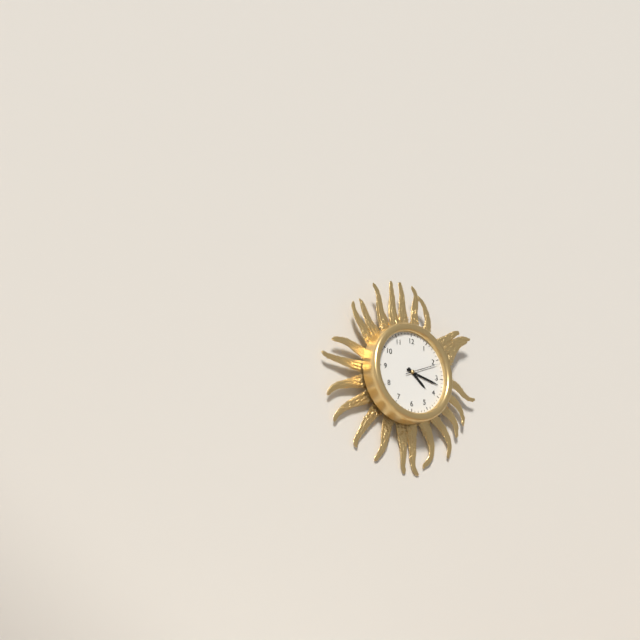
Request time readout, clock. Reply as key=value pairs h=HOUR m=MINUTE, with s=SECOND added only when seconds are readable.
h=4 m=17
